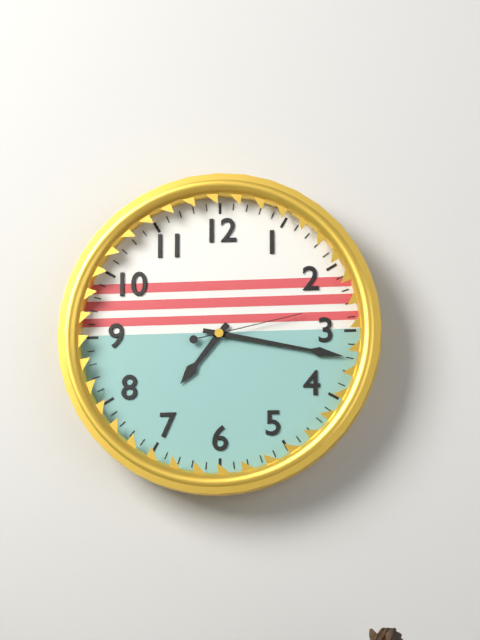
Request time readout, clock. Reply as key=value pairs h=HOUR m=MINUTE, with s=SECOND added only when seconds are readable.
h=7 m=17 s=13
